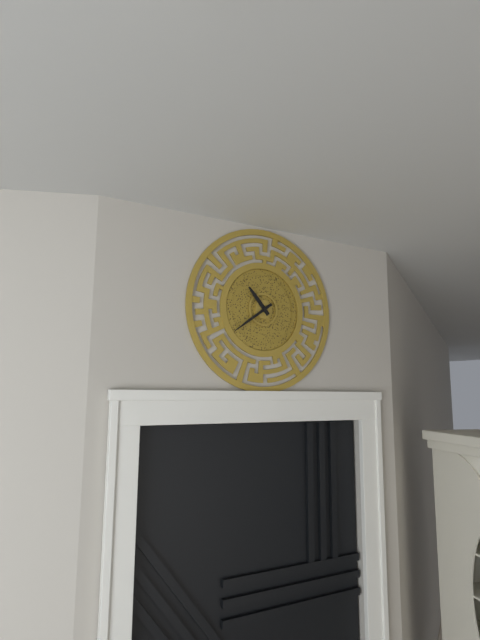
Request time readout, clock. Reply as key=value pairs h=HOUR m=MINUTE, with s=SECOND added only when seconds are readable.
h=10 m=39
